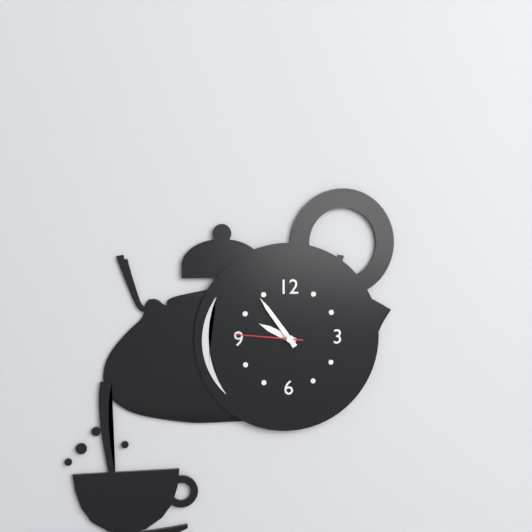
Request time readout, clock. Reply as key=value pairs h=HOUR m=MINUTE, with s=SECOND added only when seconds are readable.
h=9 m=54 s=46
